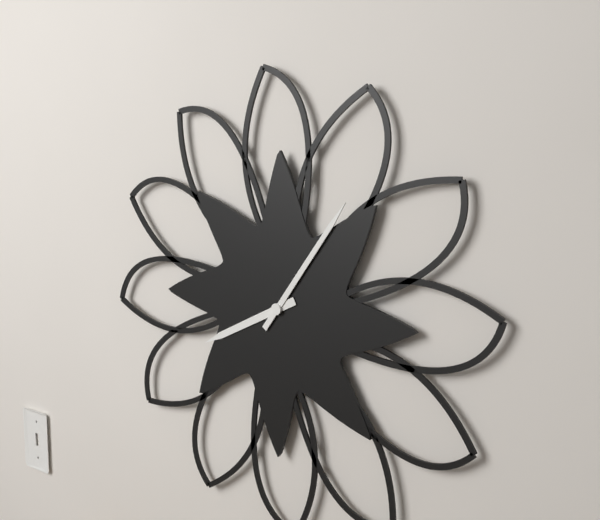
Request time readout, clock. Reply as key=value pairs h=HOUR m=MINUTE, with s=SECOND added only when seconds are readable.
h=8 m=6
